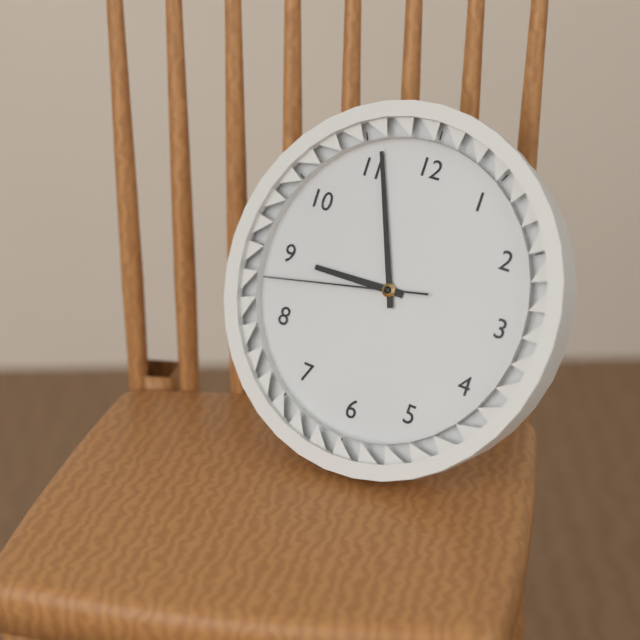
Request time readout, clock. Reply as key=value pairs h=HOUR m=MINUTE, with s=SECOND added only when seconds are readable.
h=8 m=56 s=43
